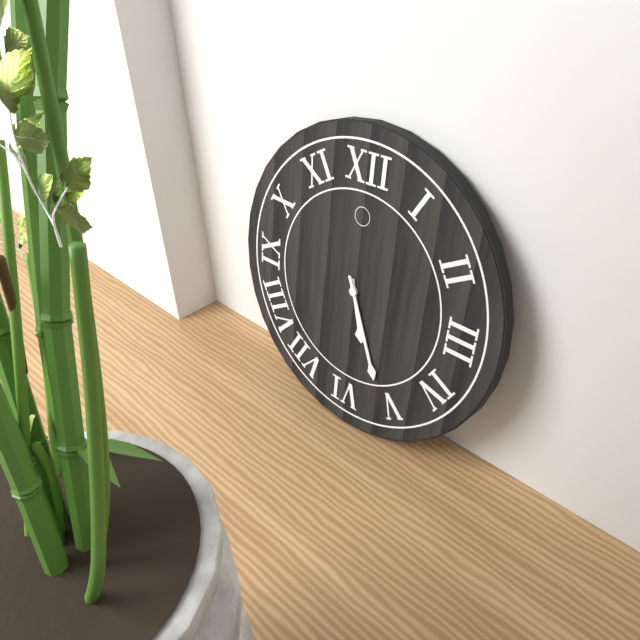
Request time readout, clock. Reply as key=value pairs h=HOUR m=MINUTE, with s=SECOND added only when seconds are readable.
h=5 m=26
